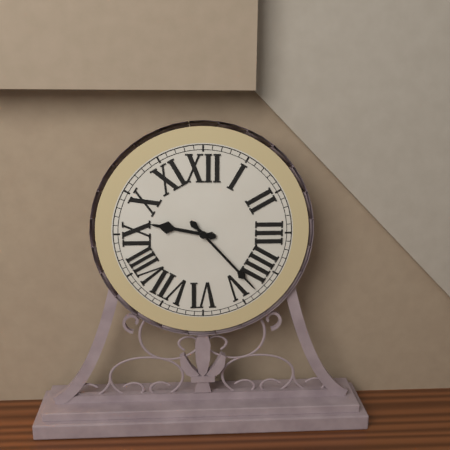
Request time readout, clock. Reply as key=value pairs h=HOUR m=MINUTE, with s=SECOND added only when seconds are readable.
h=9 m=23
